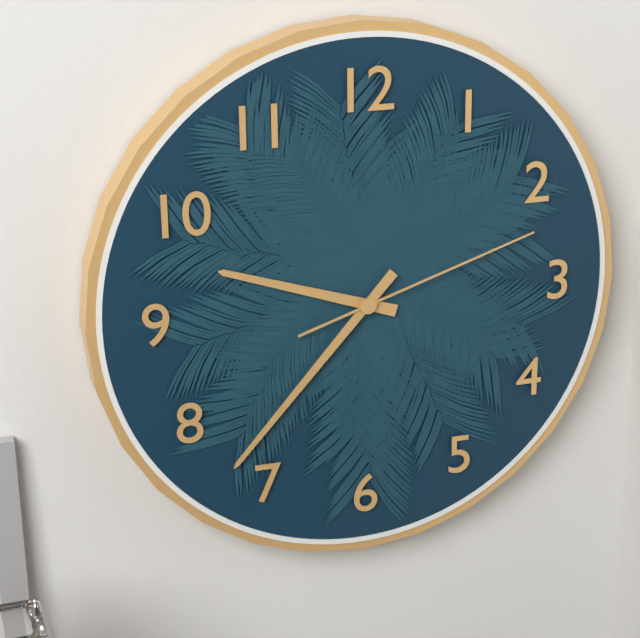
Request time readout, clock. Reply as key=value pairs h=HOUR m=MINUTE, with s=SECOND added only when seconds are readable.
h=9 m=37 s=12
